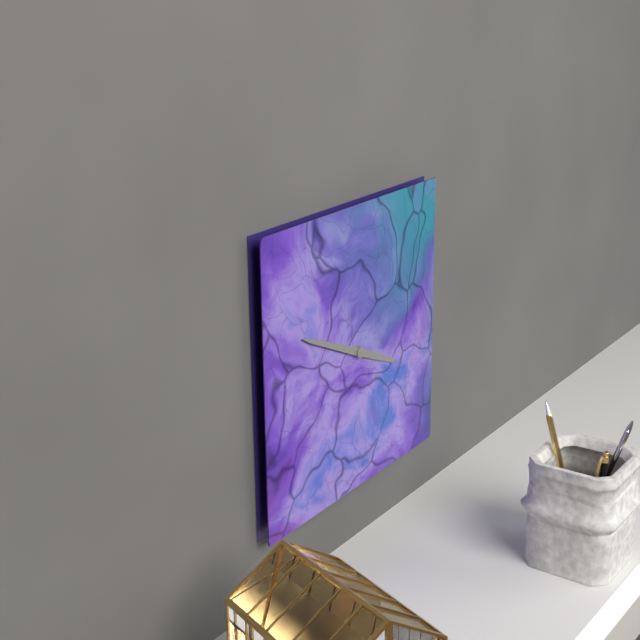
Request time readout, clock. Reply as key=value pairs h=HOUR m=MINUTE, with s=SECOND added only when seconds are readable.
h=3 m=49
